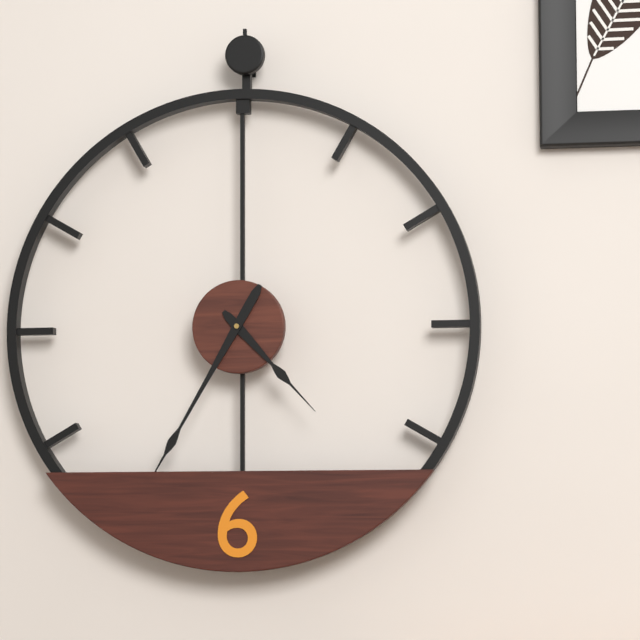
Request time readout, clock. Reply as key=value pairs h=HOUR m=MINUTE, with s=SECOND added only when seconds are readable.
h=4 m=35
